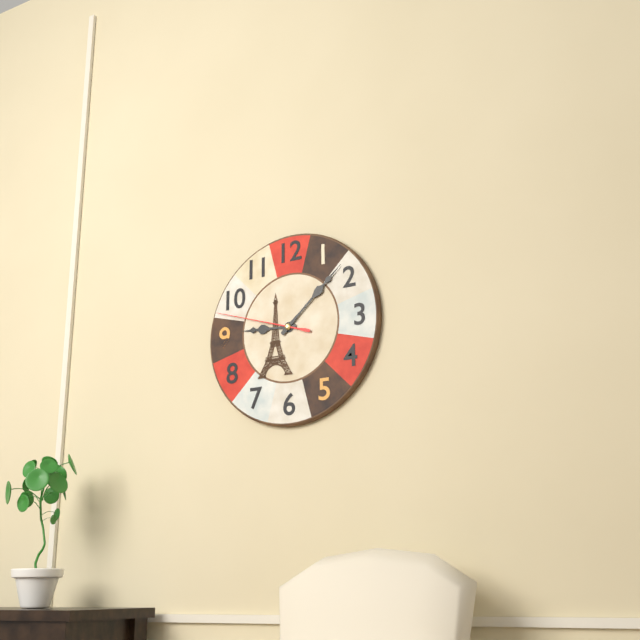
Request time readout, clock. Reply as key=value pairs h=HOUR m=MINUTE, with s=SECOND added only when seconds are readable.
h=9 m=8 s=48
